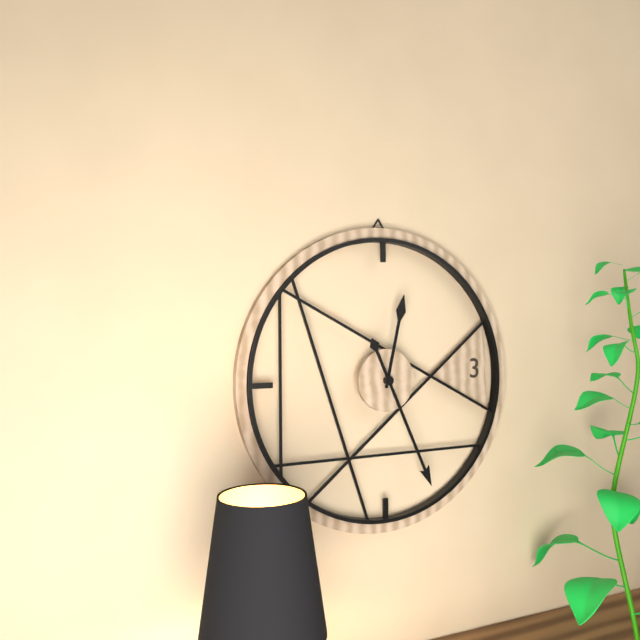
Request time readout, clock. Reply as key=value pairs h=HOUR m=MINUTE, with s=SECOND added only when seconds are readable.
h=12 m=26
